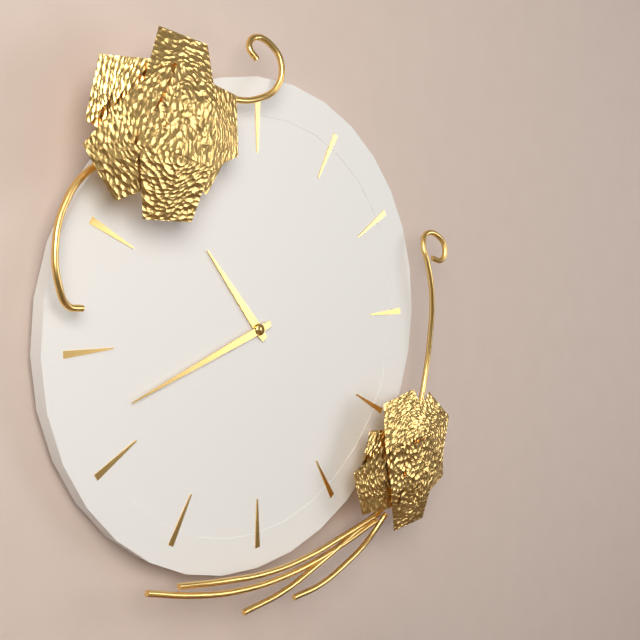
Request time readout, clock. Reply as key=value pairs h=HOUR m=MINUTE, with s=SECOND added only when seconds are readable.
h=10 m=42
